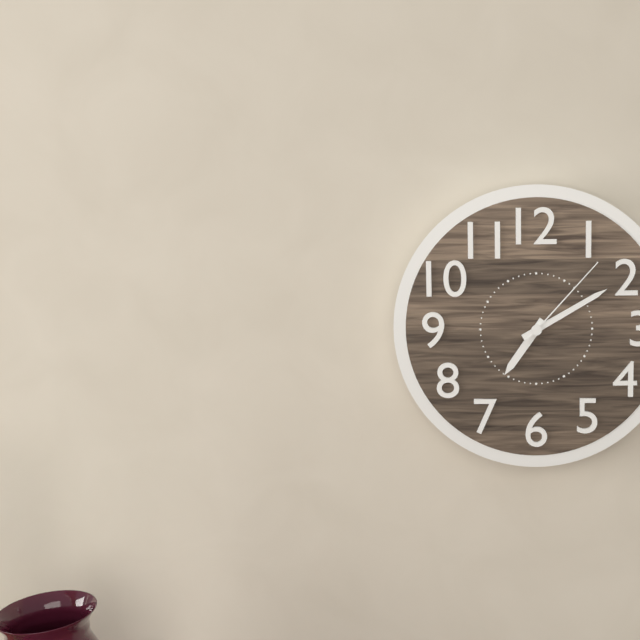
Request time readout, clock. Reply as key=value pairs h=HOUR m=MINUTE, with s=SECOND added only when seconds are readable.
h=7 m=10 s=7
